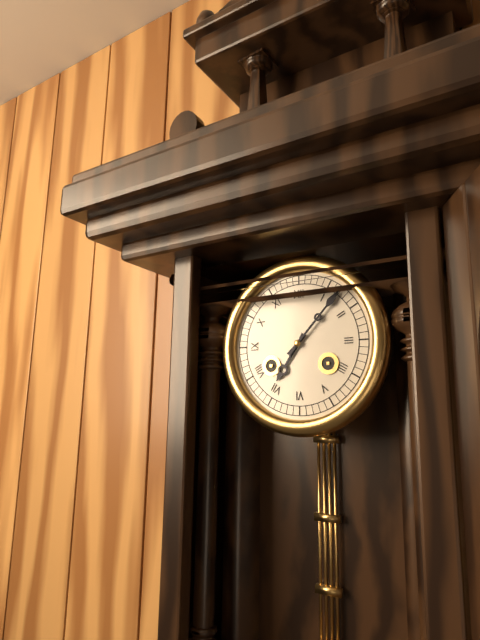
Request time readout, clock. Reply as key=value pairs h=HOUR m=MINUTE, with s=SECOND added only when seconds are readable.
h=7 m=7
